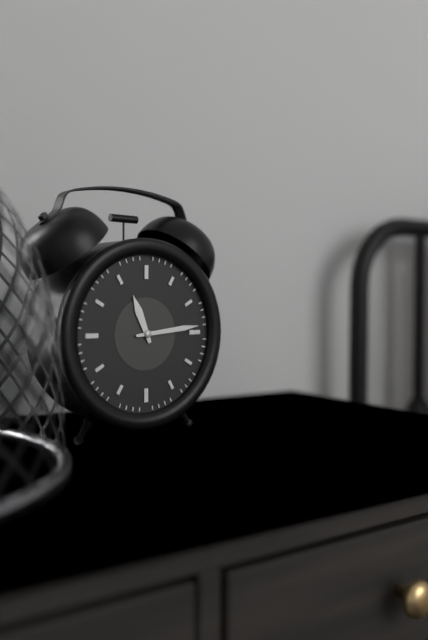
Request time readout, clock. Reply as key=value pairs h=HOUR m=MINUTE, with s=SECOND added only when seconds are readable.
h=11 m=14
